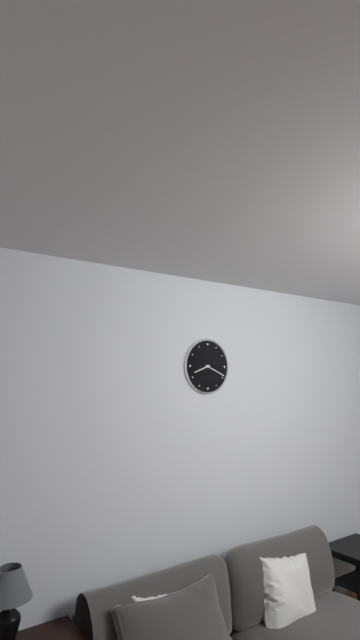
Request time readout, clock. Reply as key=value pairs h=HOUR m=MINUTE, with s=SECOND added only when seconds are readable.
h=8 m=19
